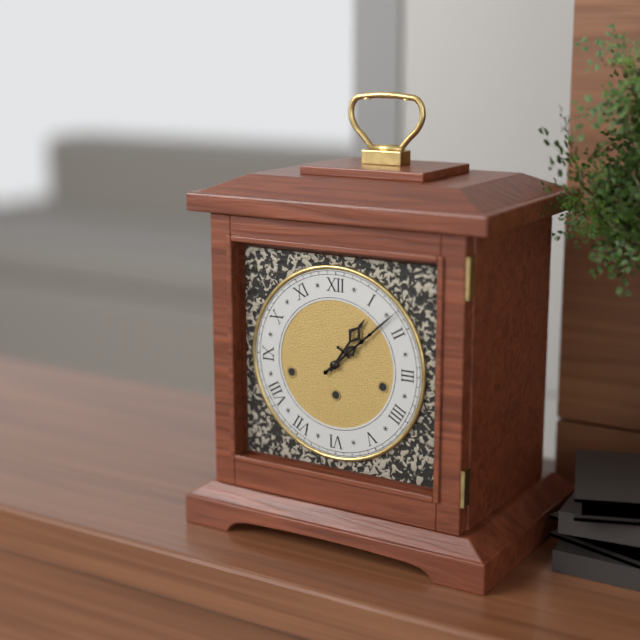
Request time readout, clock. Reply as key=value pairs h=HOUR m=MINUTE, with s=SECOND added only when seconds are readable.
h=1 m=8
